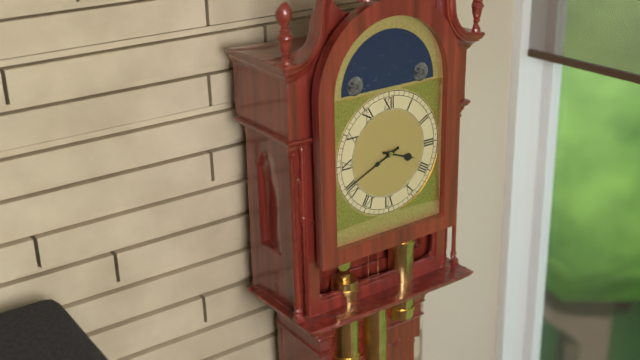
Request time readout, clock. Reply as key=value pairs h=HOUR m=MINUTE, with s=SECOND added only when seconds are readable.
h=3 m=41
